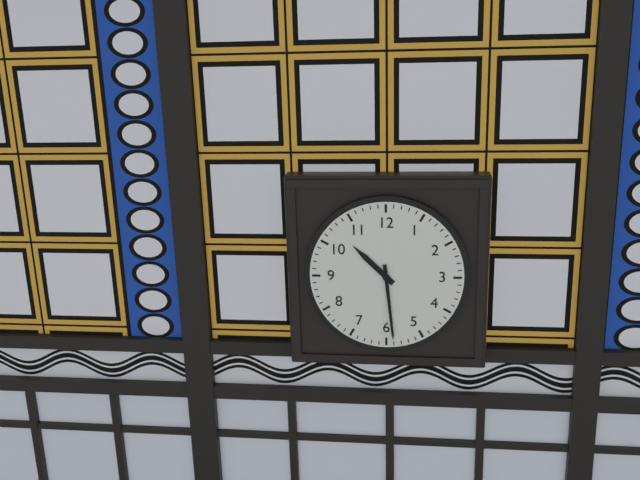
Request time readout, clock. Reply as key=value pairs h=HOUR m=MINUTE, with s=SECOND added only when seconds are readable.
h=10 m=29
